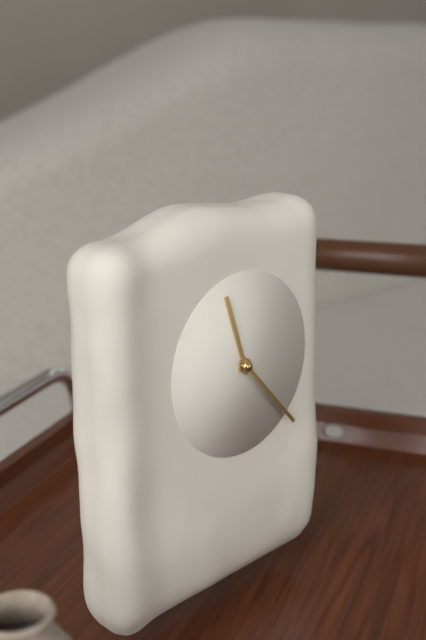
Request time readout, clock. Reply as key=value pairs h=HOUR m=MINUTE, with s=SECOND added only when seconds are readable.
h=11 m=23
